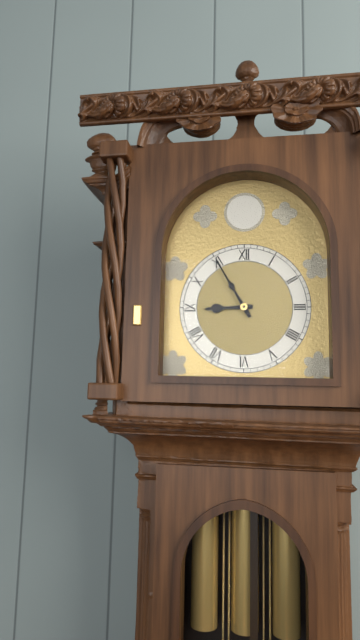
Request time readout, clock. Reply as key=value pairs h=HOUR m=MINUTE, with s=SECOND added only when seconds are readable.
h=8 m=55
